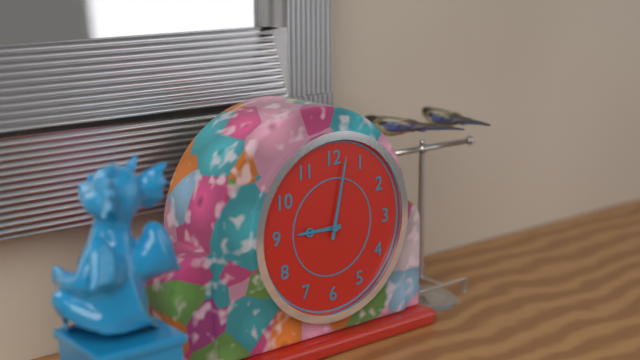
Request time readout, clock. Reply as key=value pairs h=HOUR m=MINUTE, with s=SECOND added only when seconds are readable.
h=9 m=2
